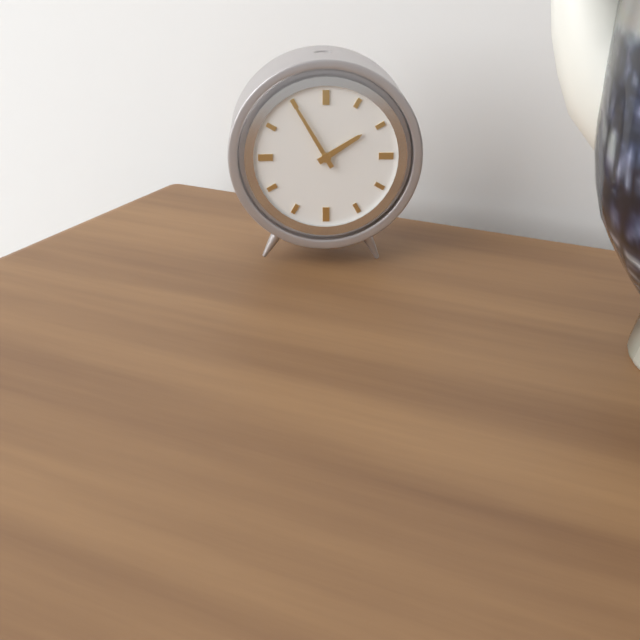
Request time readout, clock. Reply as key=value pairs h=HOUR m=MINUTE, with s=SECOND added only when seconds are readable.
h=1 m=55
